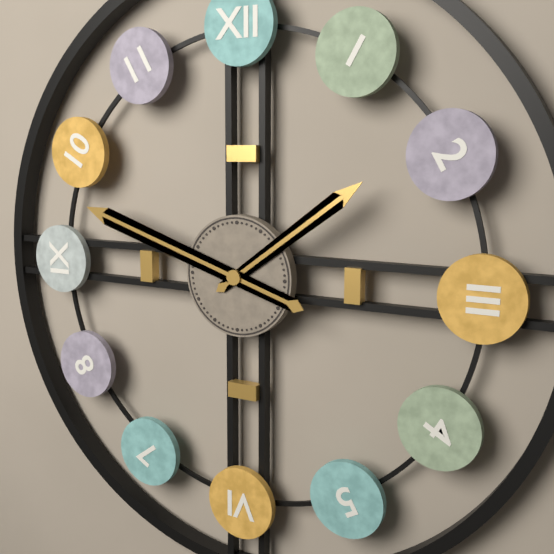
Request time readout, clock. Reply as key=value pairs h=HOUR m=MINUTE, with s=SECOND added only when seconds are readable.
h=1 m=48
